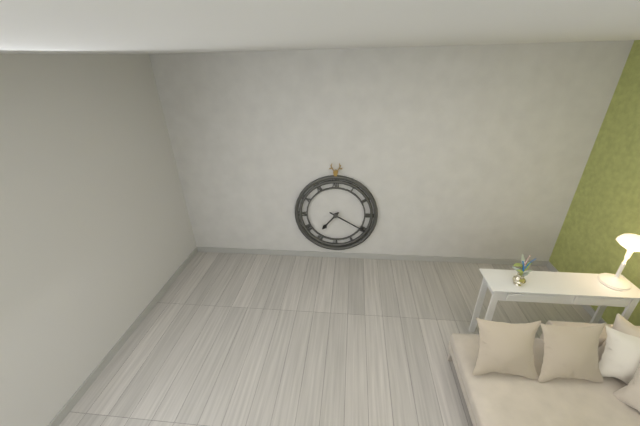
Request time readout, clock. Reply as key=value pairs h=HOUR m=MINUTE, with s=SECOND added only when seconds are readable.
h=7 m=20
